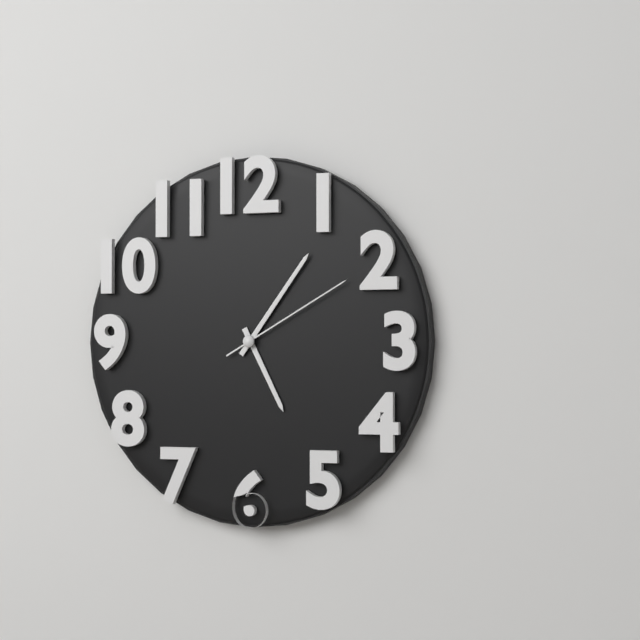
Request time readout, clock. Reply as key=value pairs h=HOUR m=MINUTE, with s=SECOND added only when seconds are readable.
h=5 m=6 s=10
